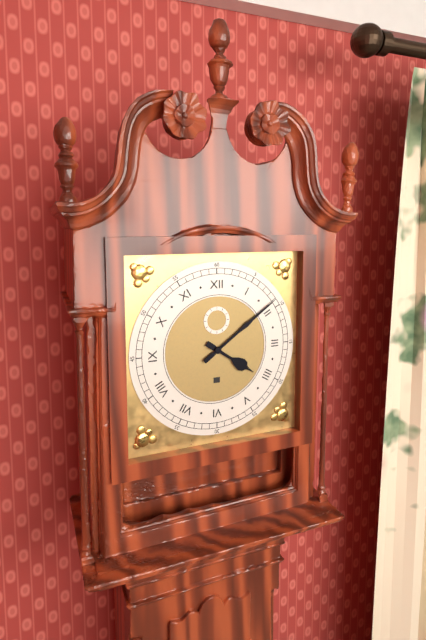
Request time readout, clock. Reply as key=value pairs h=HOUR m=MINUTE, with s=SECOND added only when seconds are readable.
h=4 m=9
